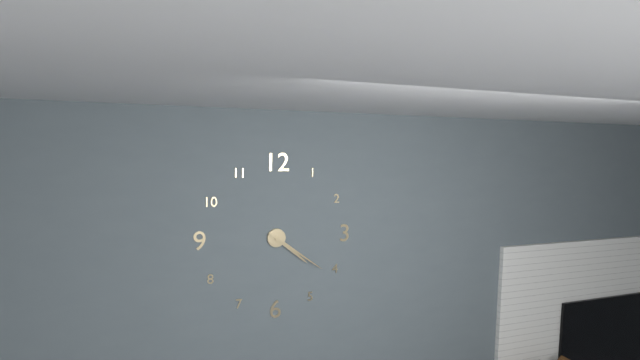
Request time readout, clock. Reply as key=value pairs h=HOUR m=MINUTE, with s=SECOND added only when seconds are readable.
h=4 m=21
